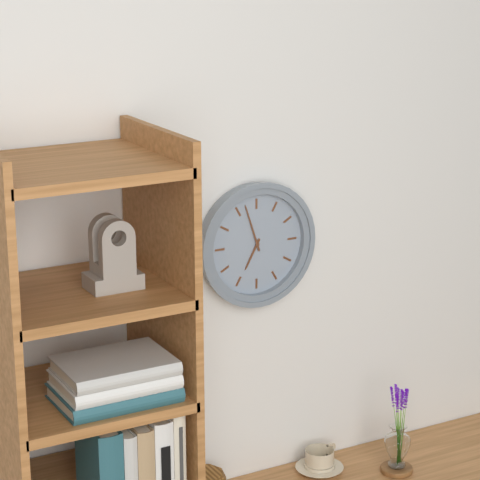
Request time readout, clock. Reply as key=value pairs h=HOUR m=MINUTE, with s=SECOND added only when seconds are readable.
h=6 m=57
